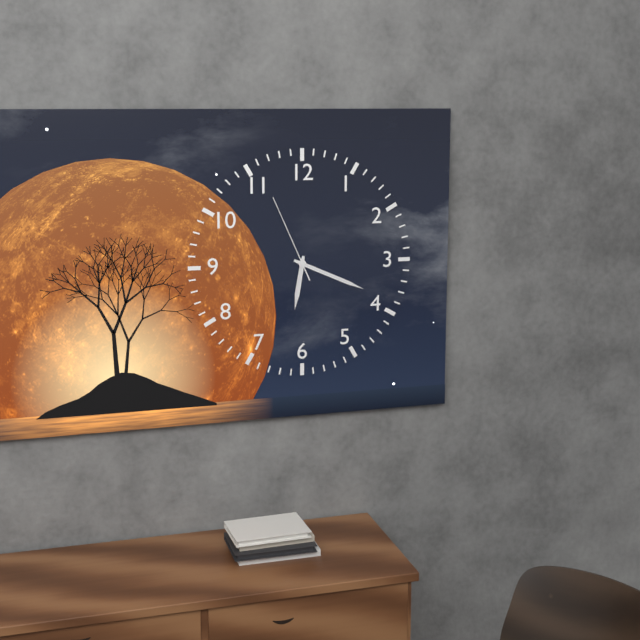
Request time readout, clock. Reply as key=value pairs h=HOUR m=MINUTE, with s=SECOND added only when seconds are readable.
h=6 m=19 s=56
